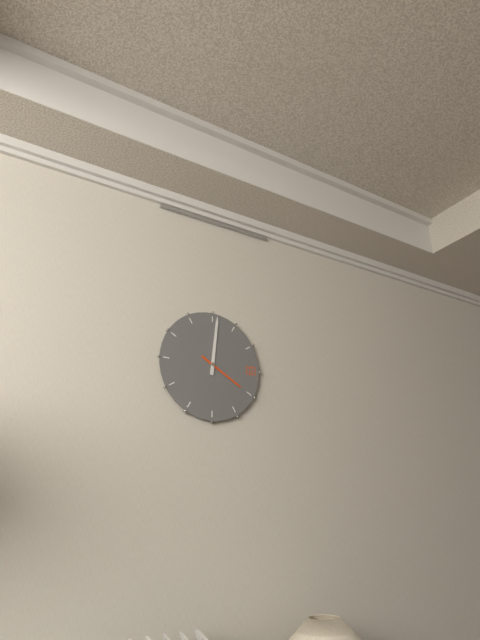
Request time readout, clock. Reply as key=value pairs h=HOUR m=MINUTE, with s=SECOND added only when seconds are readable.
h=4 m=1
